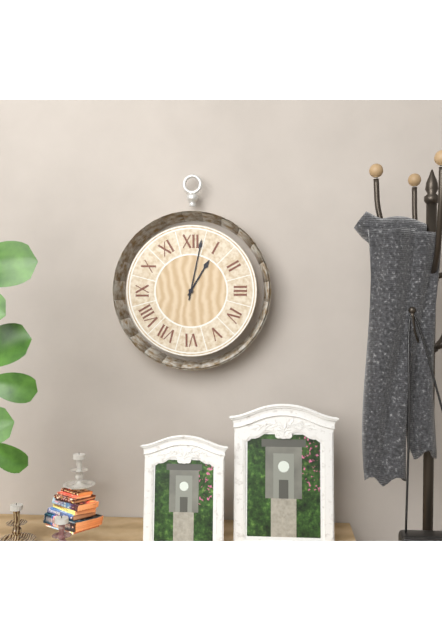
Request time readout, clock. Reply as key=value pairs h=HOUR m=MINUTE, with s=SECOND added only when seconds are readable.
h=1 m=2
